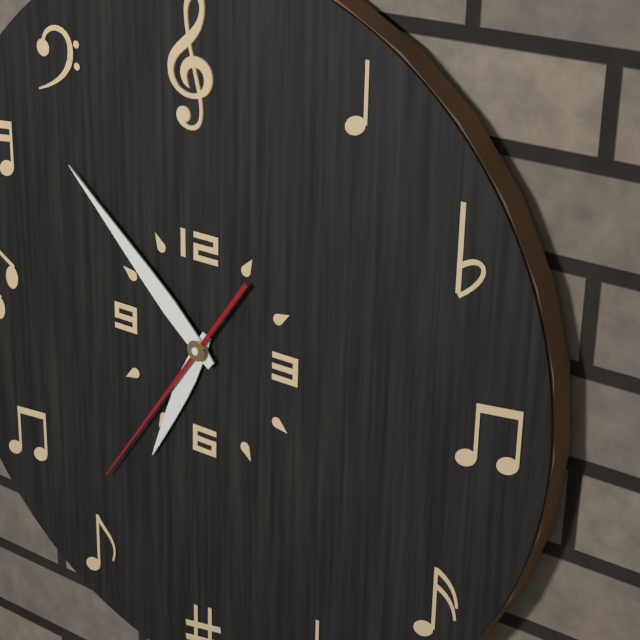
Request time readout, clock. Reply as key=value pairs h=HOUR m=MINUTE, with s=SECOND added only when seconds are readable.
h=6 m=52 s=36
